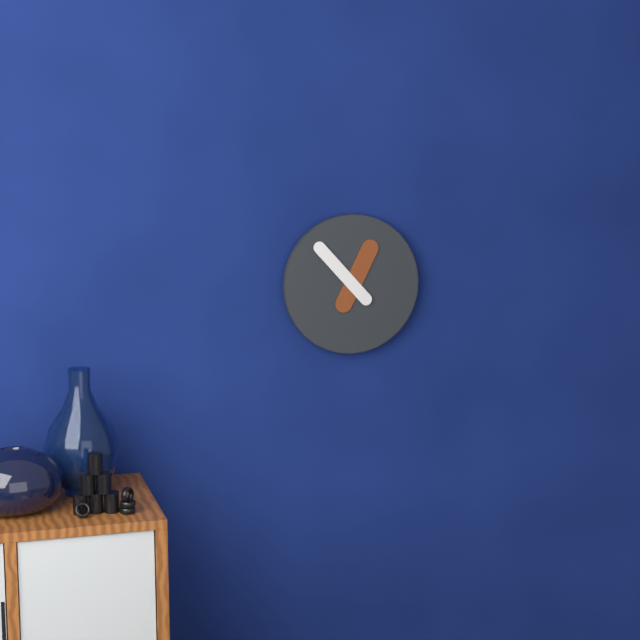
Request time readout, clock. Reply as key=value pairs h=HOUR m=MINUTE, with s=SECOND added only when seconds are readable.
h=12 m=53
